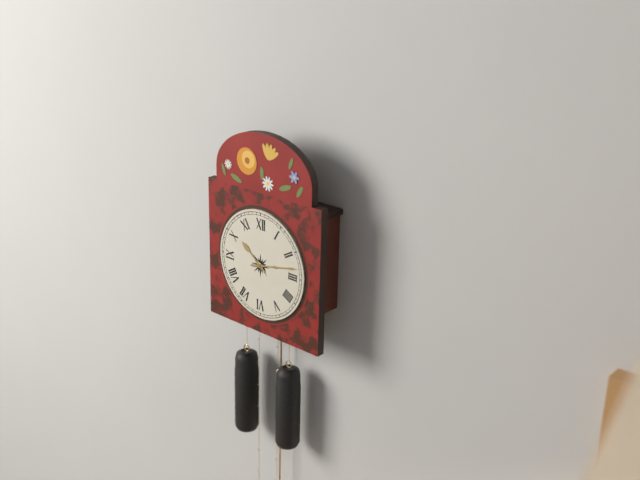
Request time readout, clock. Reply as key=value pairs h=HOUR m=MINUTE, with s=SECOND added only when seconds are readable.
h=10 m=13
